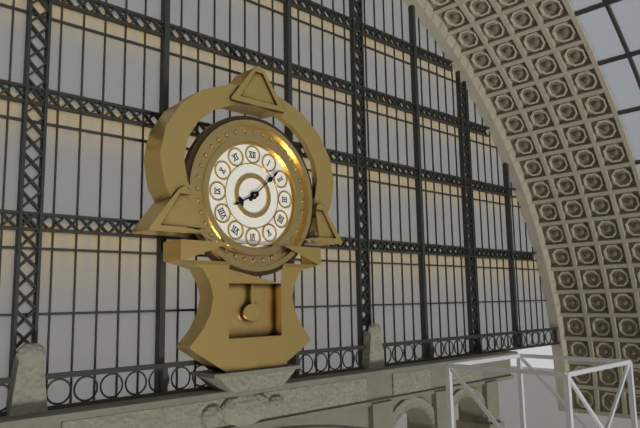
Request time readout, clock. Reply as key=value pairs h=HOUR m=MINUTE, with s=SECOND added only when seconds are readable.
h=8 m=8
